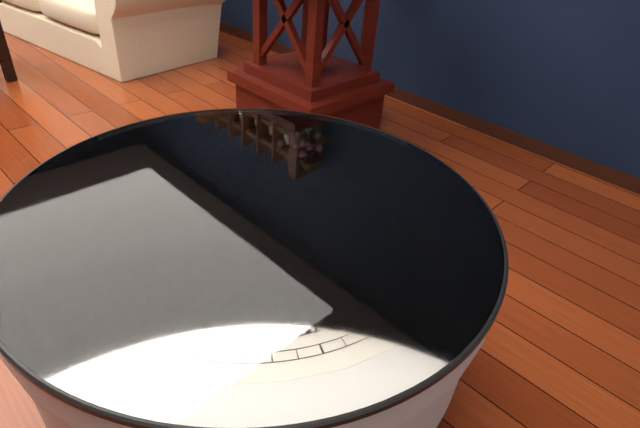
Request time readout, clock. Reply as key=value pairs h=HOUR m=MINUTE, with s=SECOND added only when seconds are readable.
h=8 m=17
